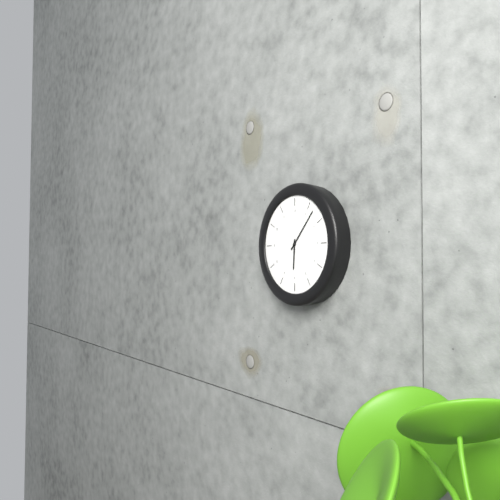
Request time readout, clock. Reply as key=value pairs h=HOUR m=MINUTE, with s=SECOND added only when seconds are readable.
h=6 m=7
